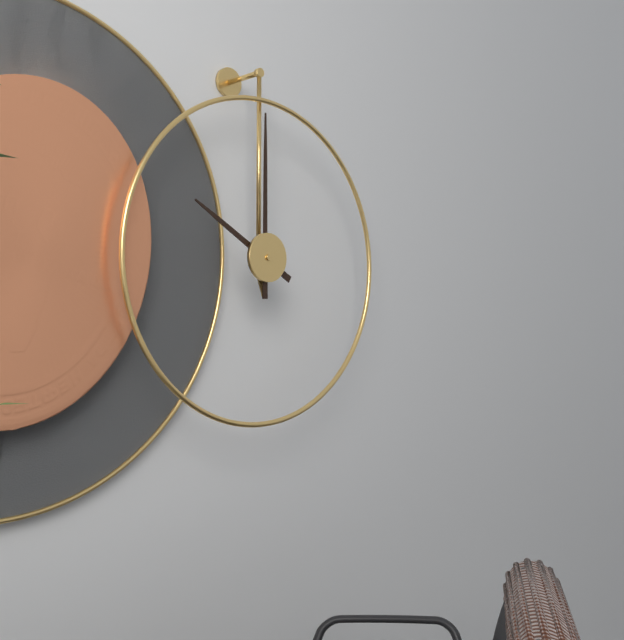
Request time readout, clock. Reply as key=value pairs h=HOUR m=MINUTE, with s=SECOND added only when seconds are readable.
h=10 m=0
